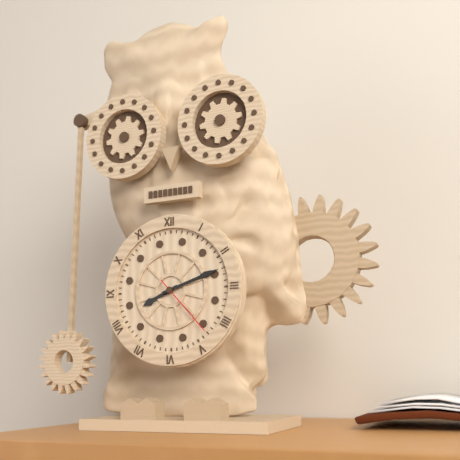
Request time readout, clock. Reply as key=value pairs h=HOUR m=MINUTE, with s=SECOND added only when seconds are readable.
h=8 m=12 s=23
